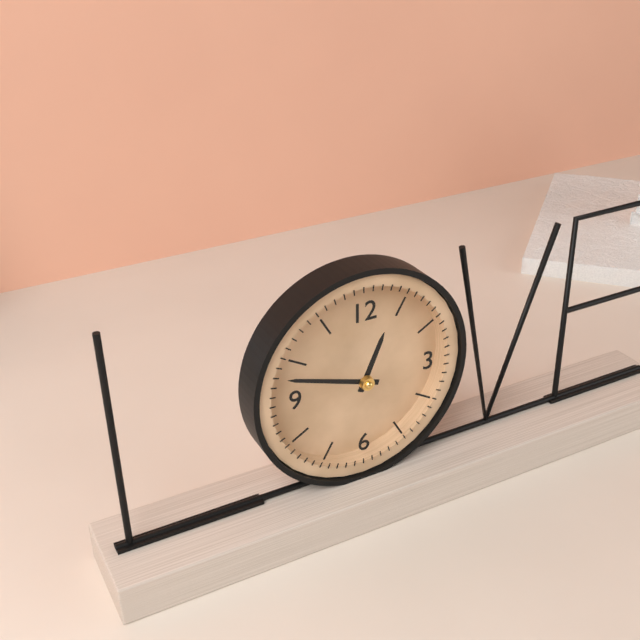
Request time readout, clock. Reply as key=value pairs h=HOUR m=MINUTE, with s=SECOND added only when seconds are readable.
h=12 m=48
